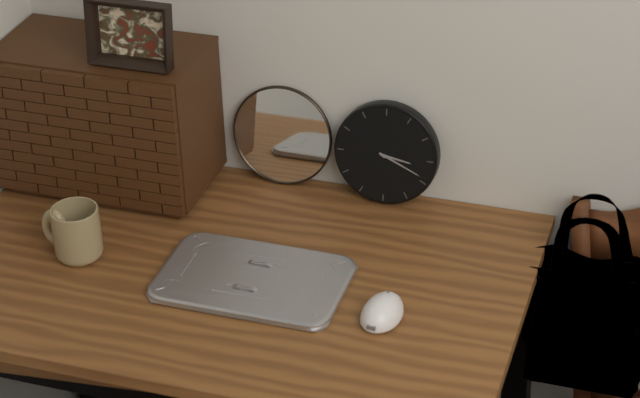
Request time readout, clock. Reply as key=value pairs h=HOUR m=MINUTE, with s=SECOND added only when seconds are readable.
h=3 m=19
